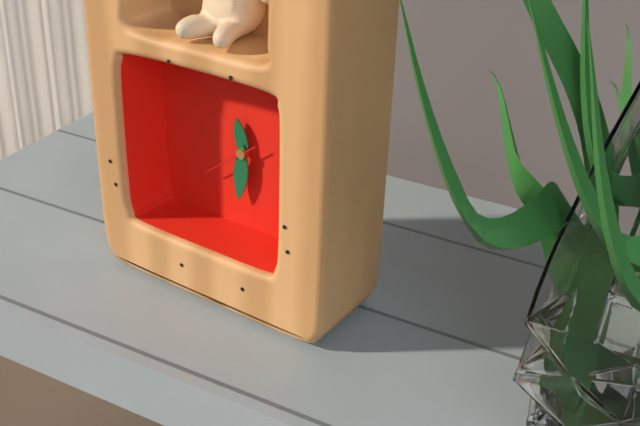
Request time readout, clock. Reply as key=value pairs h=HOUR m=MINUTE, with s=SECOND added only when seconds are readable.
h=11 m=31 s=39
